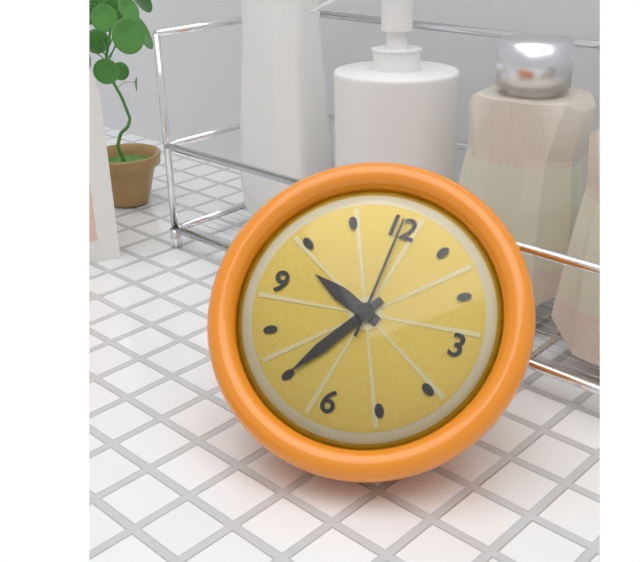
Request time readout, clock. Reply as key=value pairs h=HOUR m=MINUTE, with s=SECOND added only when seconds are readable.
h=9 m=35 s=0
